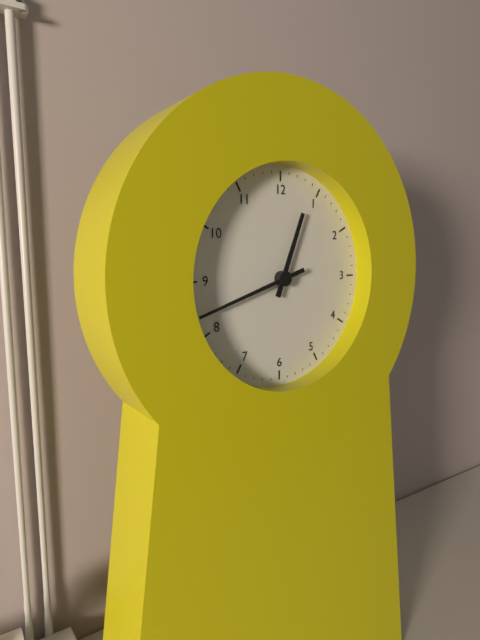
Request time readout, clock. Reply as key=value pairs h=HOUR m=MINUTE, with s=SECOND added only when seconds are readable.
h=12 m=42
